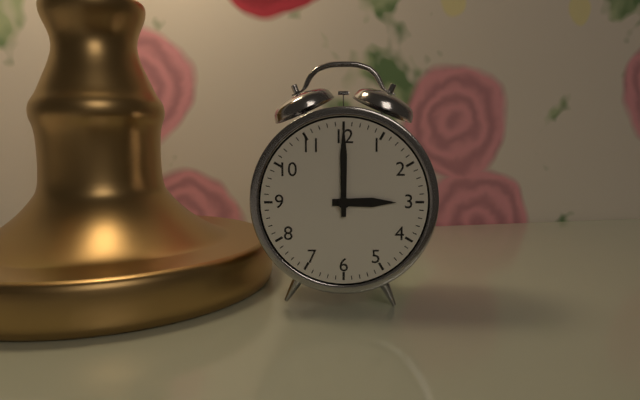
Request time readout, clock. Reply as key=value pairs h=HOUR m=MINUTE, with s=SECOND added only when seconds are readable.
h=3 m=0
